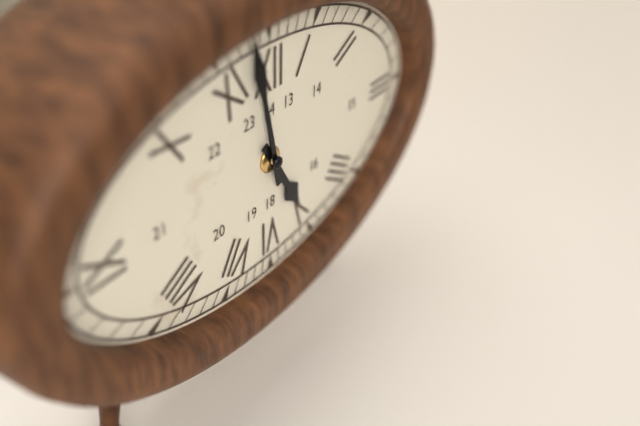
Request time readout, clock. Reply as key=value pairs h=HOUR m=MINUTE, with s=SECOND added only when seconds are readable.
h=4 m=58
